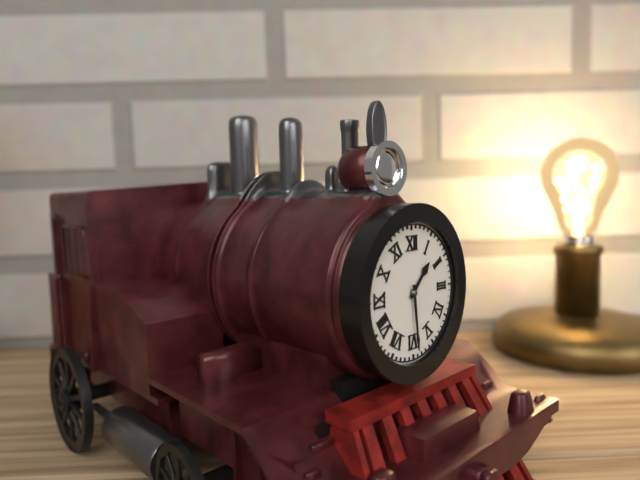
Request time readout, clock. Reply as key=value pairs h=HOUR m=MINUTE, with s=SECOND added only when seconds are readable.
h=1 m=29
